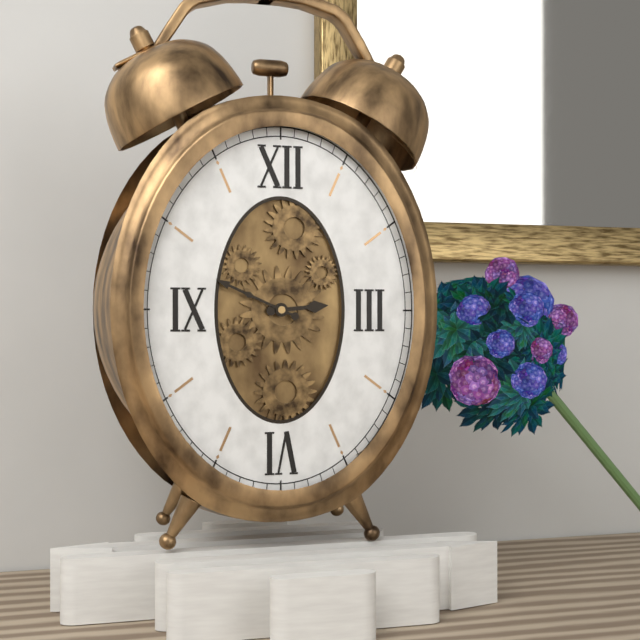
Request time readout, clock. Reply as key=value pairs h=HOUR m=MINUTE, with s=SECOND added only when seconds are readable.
h=2 m=49
